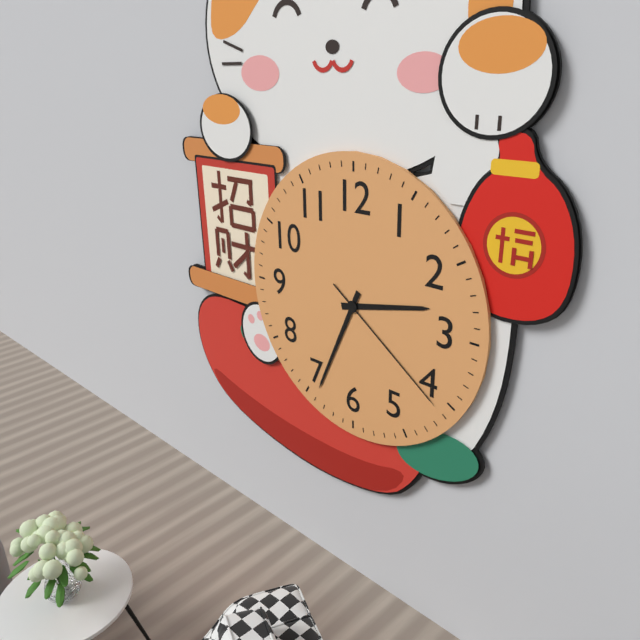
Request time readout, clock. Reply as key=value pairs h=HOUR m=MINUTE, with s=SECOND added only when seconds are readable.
h=2 m=34 s=21
